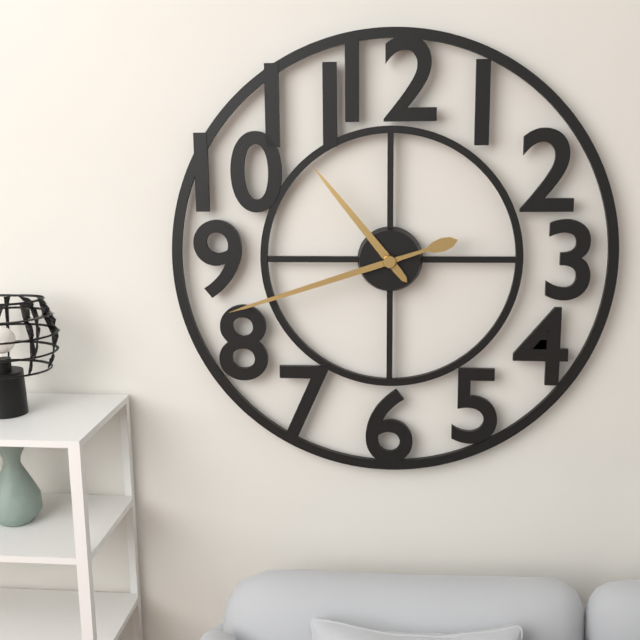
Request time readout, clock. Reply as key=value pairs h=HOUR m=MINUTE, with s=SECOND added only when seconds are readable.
h=10 m=42
